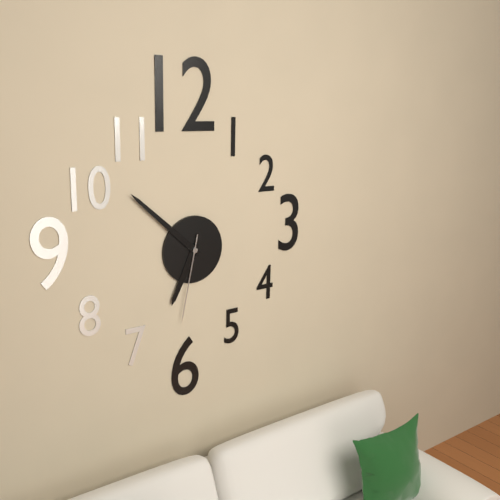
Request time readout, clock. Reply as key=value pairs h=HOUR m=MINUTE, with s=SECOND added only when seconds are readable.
h=6 m=52 s=32
